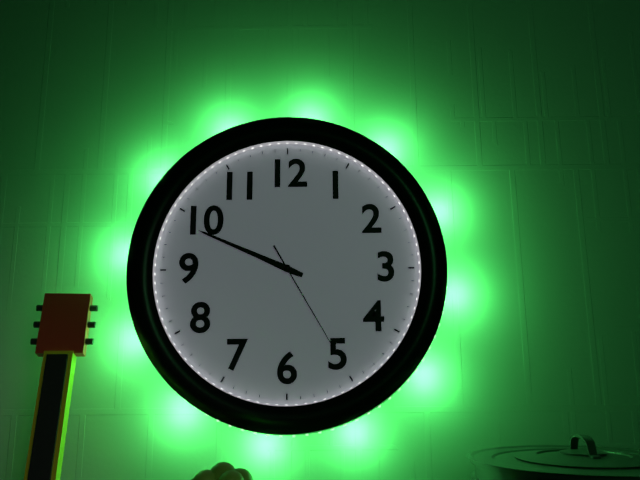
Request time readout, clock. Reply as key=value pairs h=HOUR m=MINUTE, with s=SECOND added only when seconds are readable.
h=9 m=49 s=25
